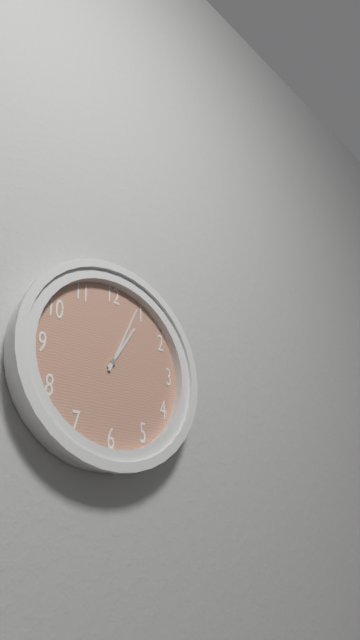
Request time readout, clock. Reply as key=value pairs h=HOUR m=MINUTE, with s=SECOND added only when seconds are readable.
h=1 m=4
